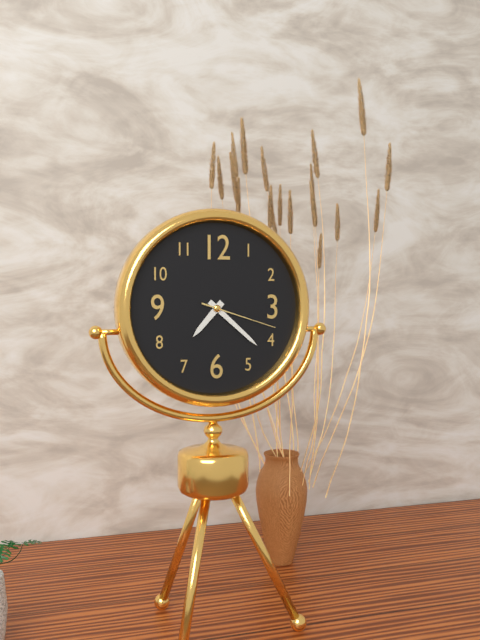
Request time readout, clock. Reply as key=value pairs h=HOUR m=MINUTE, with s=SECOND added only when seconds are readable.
h=7 m=22 s=18
